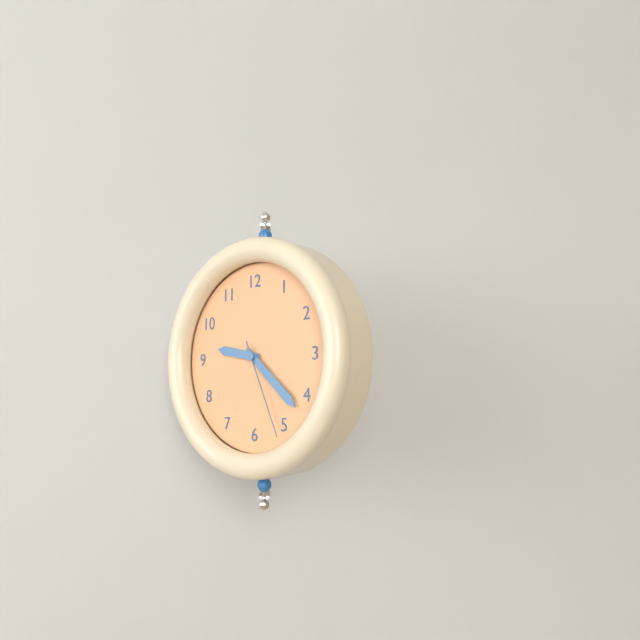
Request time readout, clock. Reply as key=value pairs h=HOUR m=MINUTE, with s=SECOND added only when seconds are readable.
h=9 m=22 s=26
